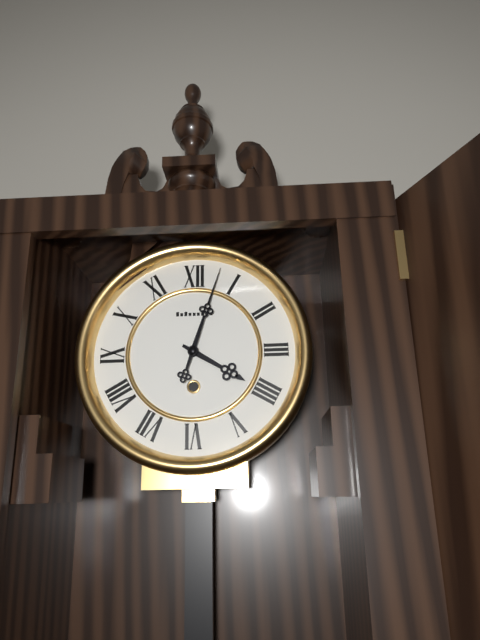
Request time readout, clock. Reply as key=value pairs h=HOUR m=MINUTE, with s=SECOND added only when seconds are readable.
h=4 m=3
